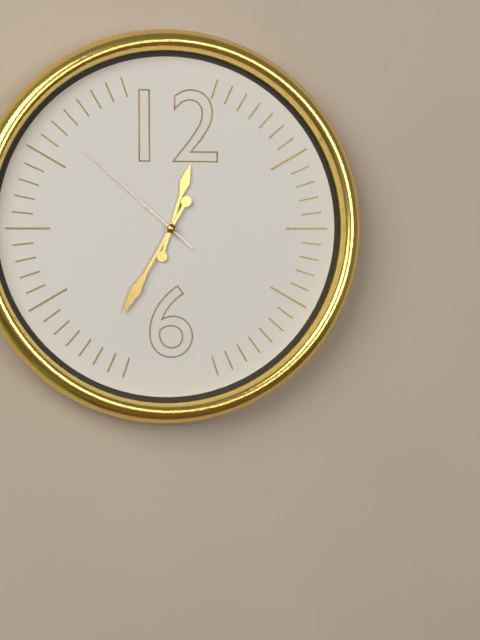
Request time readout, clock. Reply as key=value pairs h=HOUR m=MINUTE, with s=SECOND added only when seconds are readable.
h=12 m=35 s=52
